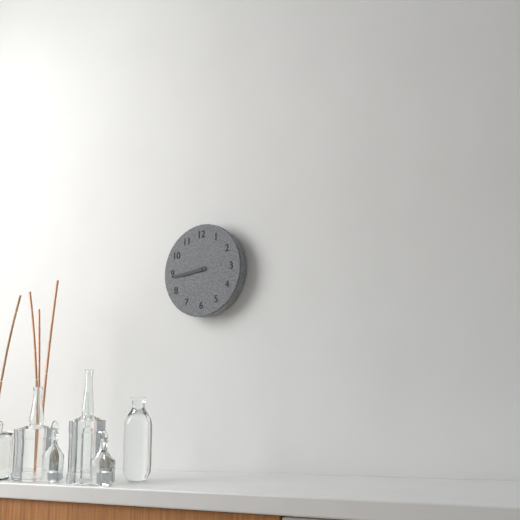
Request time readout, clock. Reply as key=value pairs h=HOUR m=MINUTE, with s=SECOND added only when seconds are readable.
h=8 m=44
